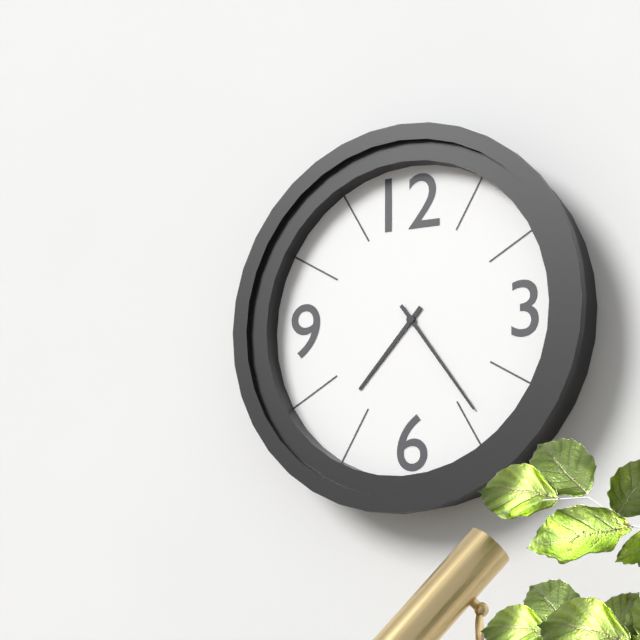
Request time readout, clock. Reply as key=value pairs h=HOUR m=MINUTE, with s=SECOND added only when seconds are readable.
h=7 m=24
